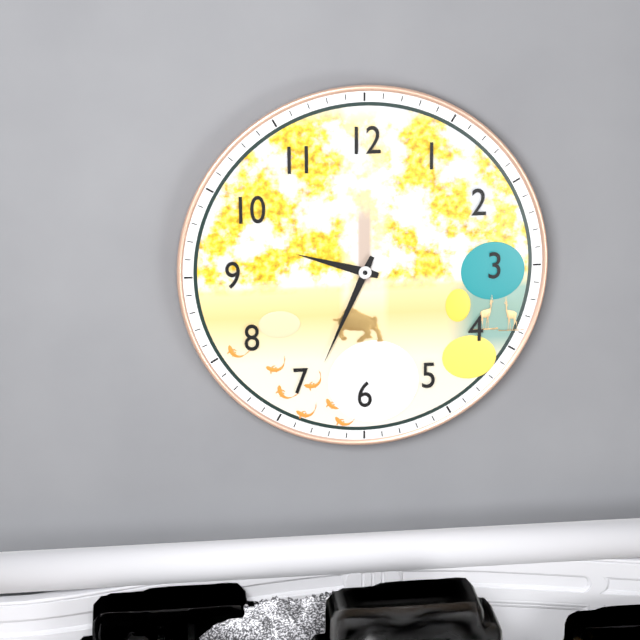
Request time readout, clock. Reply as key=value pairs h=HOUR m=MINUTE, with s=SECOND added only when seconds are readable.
h=9 m=34
